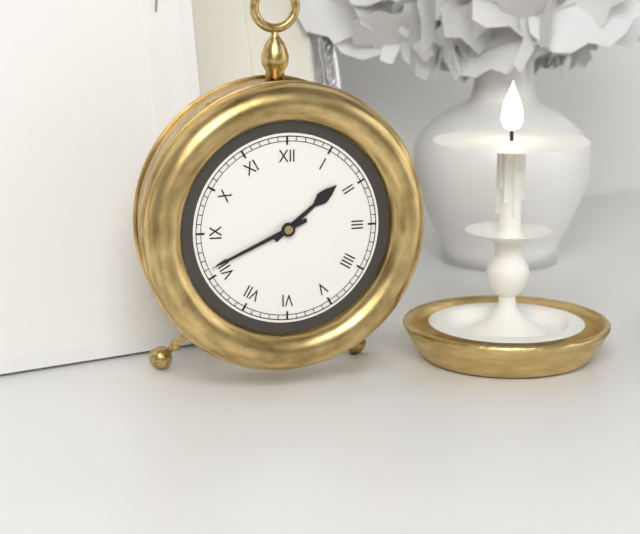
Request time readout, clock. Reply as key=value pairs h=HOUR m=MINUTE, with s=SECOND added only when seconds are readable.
h=1 m=41
